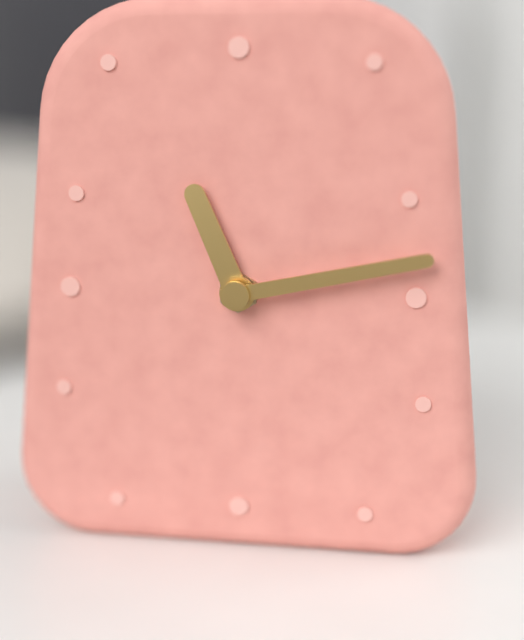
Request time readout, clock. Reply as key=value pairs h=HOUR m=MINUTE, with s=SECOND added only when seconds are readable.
h=11 m=13
